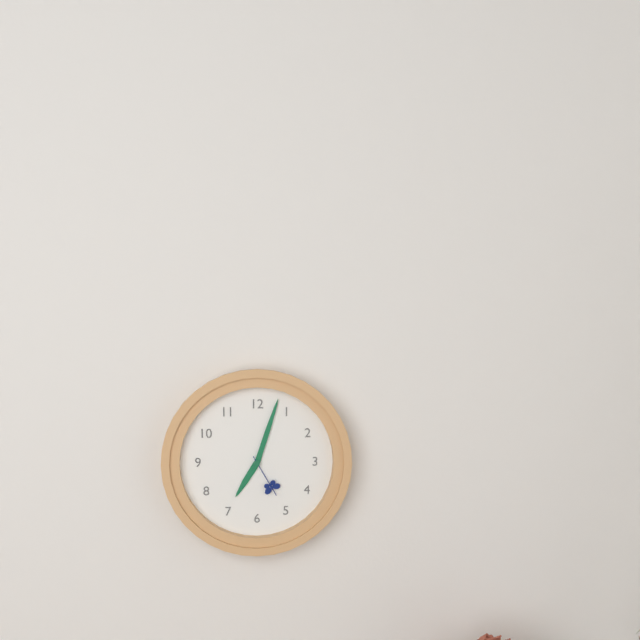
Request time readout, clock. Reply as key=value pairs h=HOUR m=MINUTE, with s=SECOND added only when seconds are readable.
h=7 m=3
